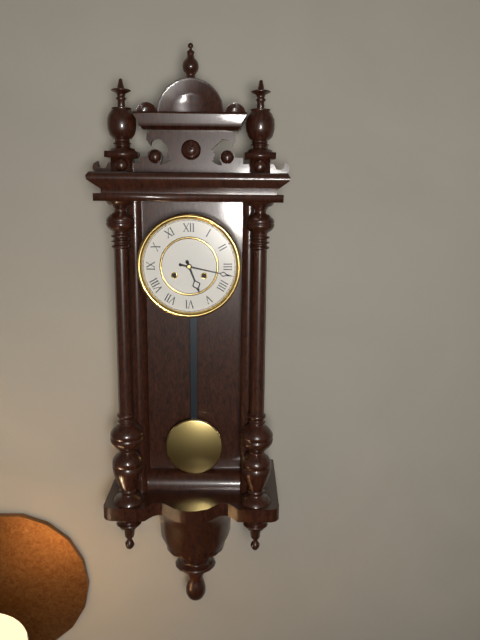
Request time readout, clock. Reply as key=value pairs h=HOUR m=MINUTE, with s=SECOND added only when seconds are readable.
h=5 m=17
